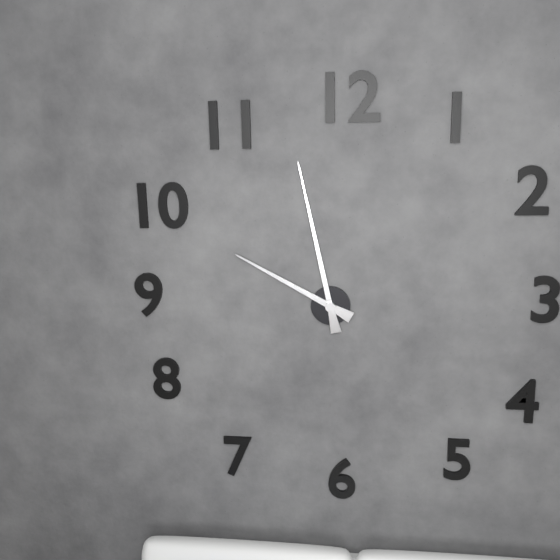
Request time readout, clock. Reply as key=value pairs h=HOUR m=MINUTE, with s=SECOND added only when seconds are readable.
h=9 m=58
